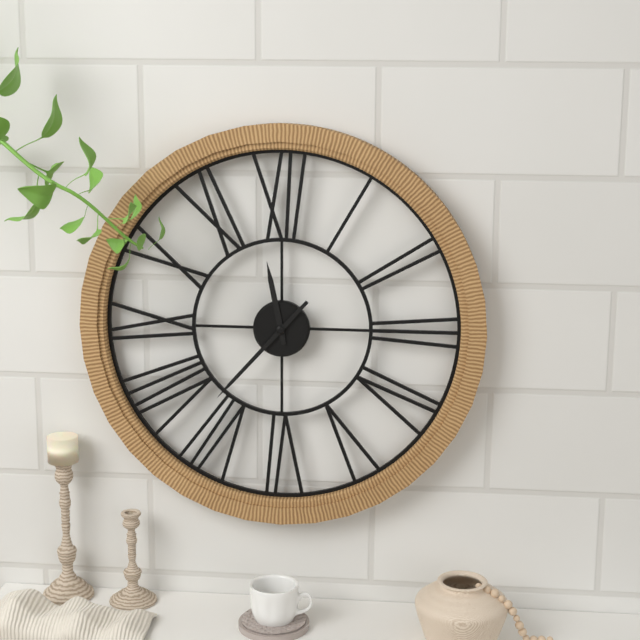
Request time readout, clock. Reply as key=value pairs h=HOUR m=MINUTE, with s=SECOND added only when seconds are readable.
h=11 m=37
